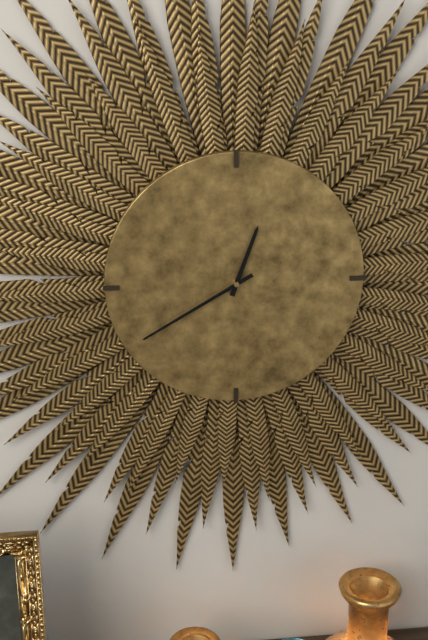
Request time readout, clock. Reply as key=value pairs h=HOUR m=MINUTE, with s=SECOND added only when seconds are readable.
h=12 m=40
